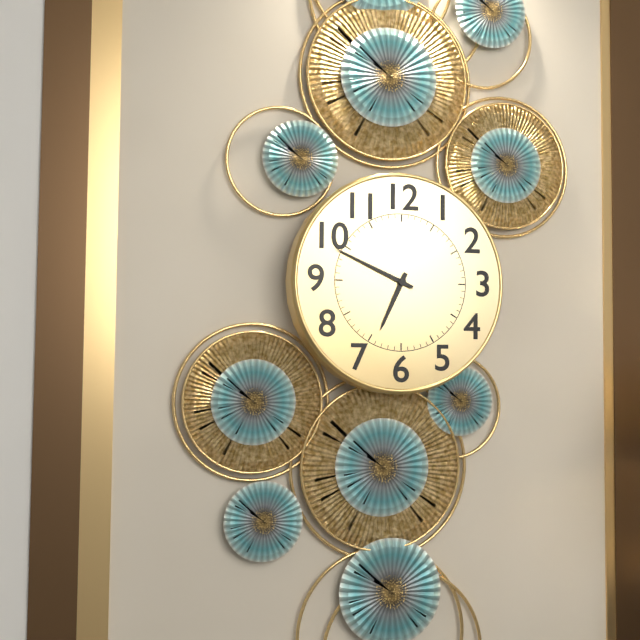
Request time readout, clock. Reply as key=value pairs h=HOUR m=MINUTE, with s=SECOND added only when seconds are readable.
h=6 m=49
